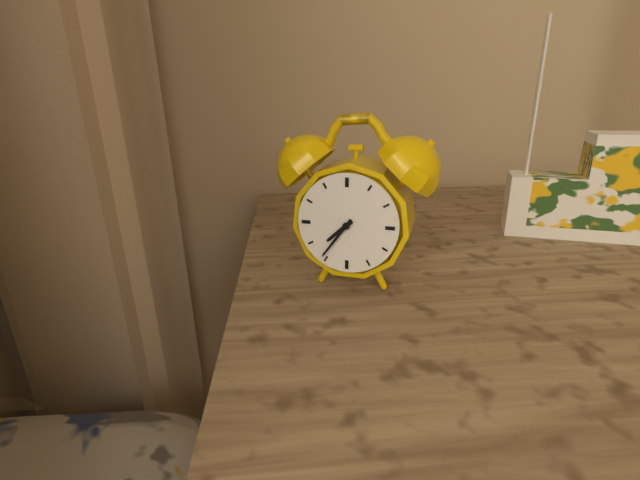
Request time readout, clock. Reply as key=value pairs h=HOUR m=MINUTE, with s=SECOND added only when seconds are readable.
h=7 m=36
